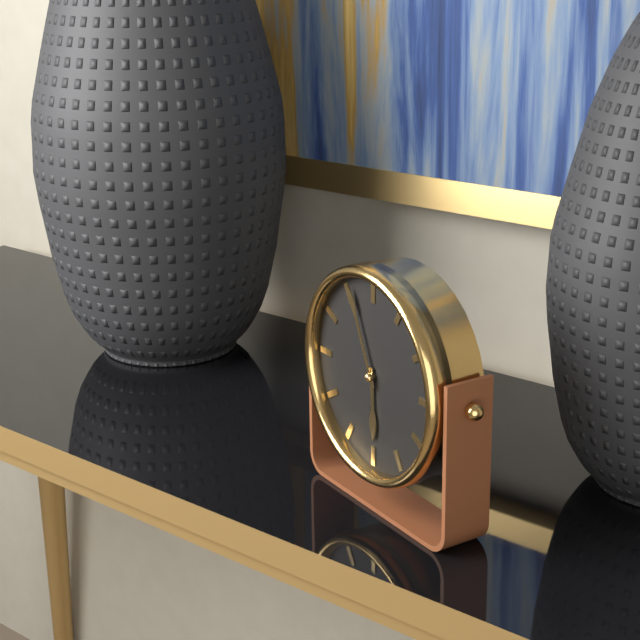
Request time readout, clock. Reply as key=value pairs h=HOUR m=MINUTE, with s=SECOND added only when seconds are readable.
h=5 m=56
